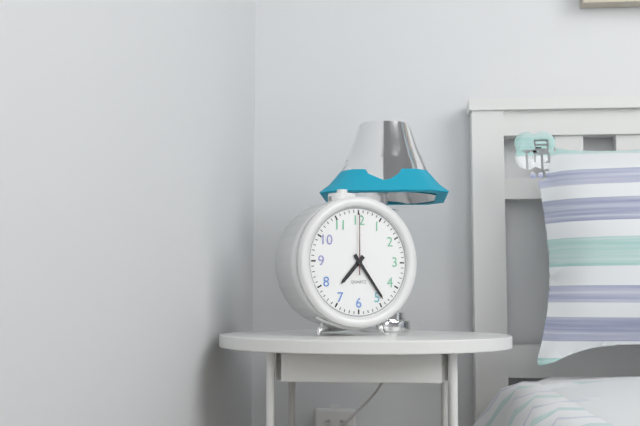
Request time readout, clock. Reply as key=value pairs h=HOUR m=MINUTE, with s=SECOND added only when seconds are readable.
h=7 m=24 s=0
